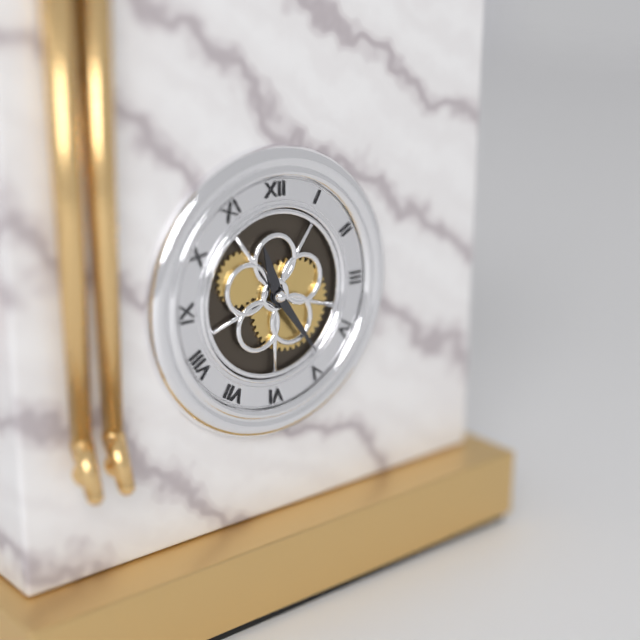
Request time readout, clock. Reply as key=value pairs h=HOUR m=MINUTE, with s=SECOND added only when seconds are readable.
h=11 m=24
